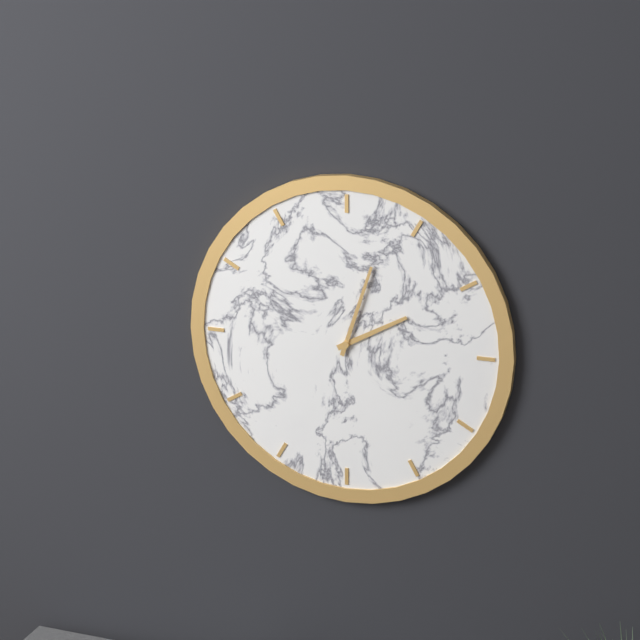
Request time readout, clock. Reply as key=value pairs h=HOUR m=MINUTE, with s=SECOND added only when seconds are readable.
h=2 m=3
